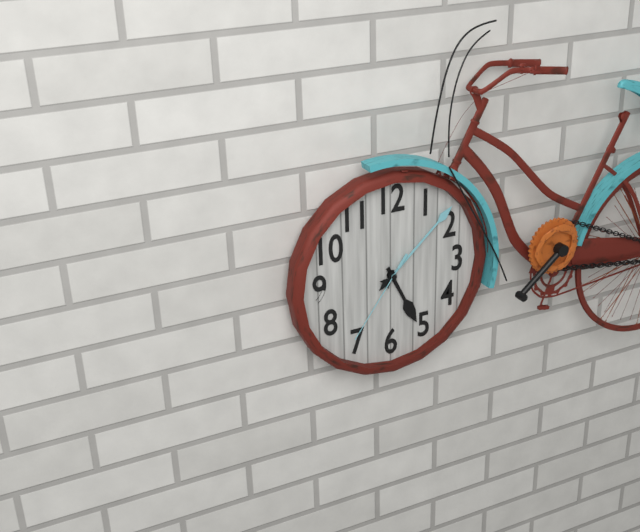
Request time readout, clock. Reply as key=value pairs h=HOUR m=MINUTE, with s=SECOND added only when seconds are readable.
h=5 m=8 s=36
